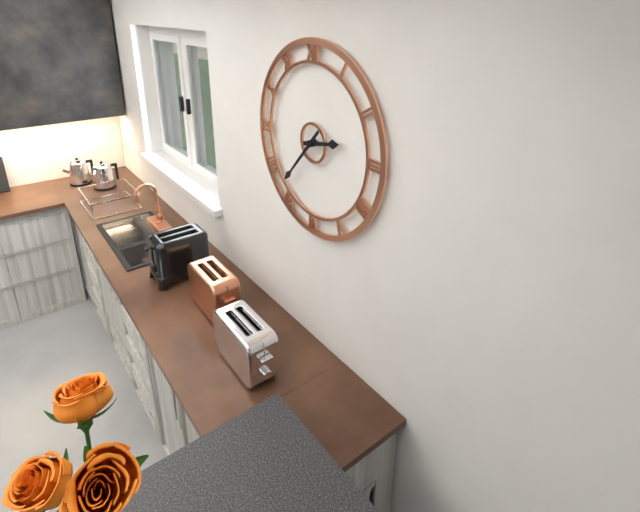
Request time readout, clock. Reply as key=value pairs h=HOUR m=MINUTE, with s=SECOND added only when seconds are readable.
h=2 m=37
